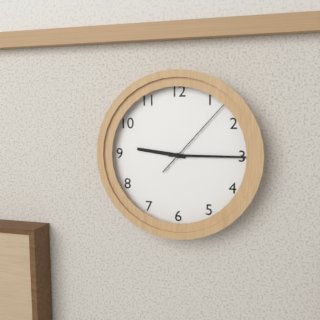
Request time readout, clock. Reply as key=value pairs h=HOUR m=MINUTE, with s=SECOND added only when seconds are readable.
h=9 m=15 s=7
